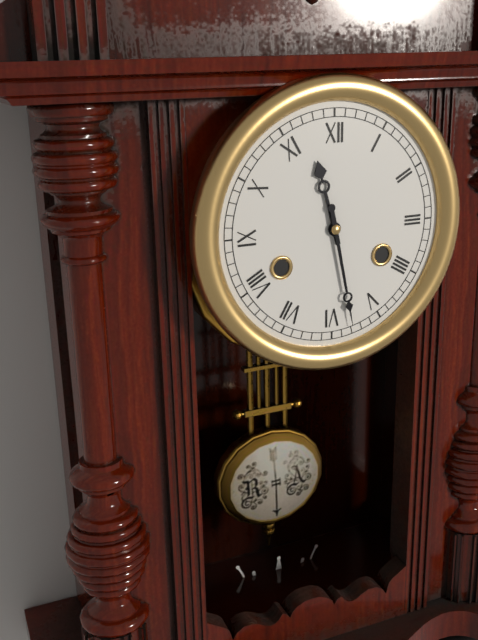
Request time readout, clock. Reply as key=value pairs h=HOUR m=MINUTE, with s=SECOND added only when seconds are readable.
h=11 m=28
